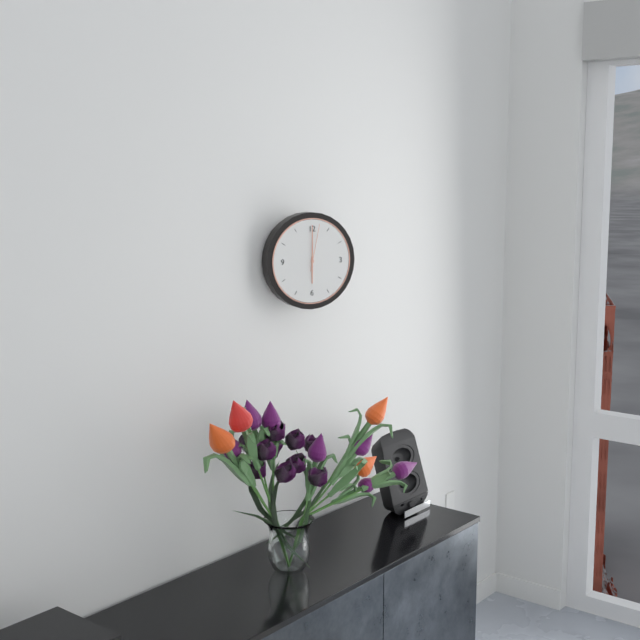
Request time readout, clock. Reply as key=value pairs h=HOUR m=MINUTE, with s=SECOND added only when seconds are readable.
h=6 m=0
